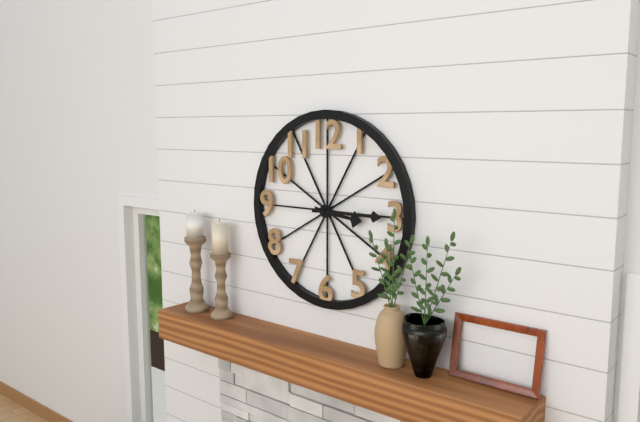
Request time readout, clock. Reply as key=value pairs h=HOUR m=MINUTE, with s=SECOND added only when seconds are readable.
h=3 m=15
